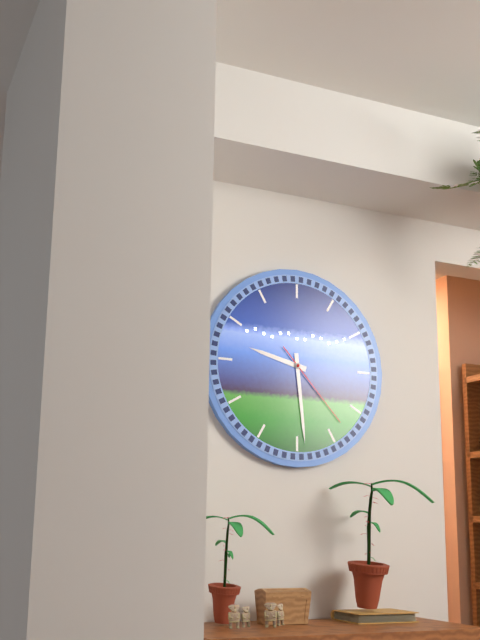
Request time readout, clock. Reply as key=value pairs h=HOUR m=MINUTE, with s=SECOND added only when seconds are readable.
h=9 m=29 s=23
